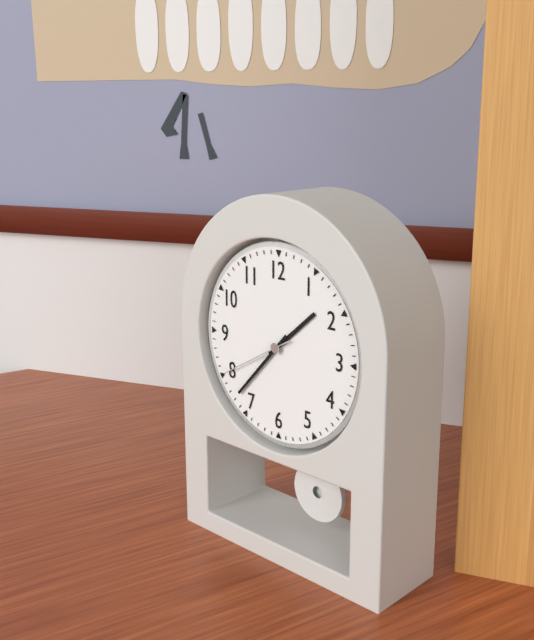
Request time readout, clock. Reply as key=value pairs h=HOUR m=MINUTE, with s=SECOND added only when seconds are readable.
h=1 m=37 s=40
